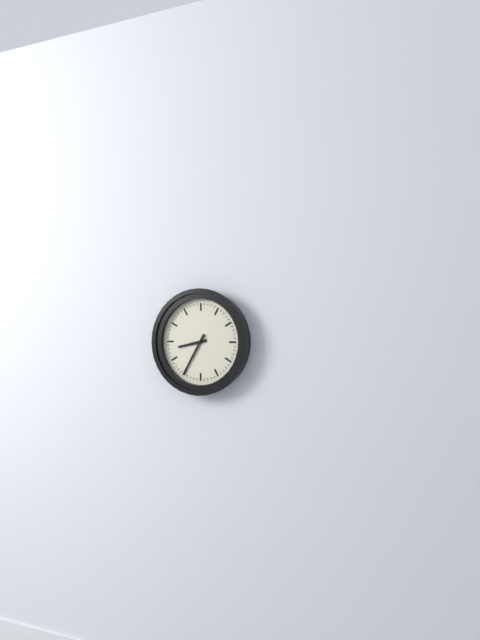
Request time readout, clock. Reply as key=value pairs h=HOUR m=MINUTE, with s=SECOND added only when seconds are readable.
h=8 m=35
